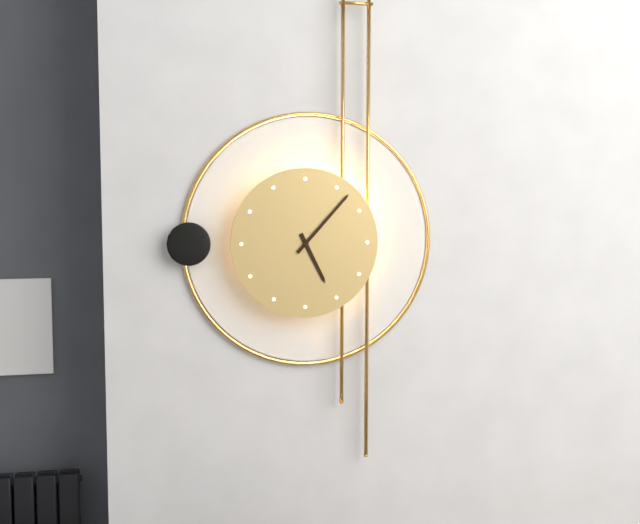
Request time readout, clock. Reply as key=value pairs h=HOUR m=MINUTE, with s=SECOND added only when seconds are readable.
h=5 m=7
